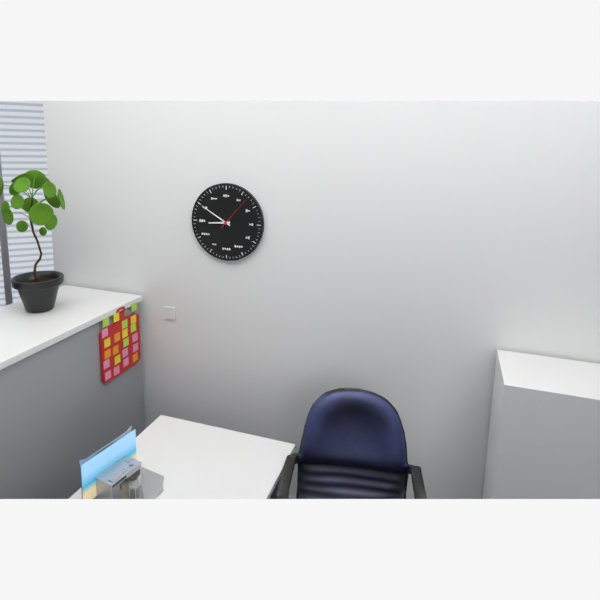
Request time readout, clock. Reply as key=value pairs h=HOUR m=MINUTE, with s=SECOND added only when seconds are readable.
h=8 m=50
